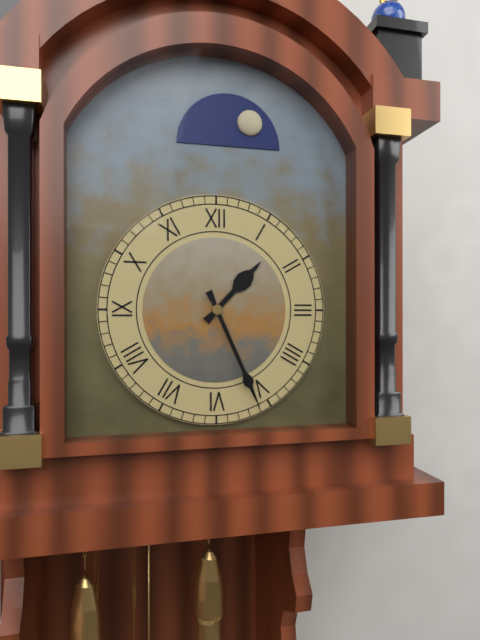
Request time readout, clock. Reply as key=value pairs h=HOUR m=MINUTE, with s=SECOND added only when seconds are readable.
h=1 m=26
